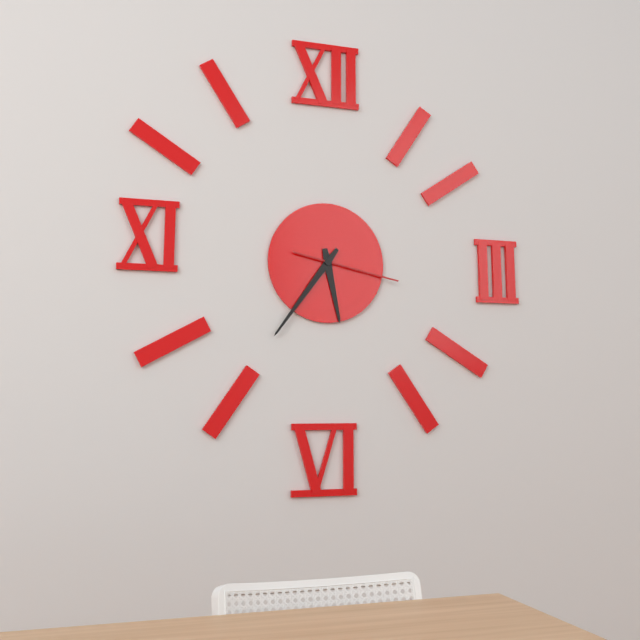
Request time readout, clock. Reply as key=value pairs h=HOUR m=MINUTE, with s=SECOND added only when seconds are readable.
h=5 m=36 s=17
